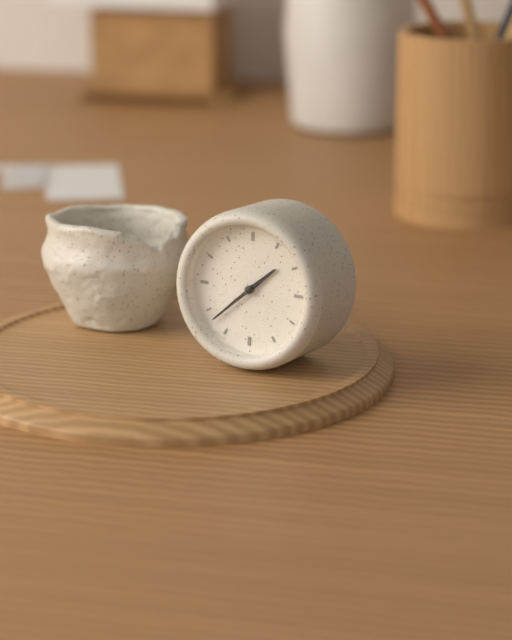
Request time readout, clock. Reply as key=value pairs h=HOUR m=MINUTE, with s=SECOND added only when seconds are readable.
h=1 m=38
